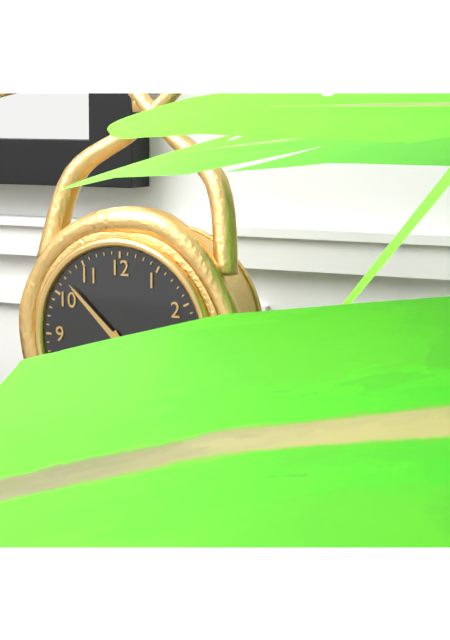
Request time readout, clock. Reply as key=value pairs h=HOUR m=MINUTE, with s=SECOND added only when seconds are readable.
h=4 m=52
